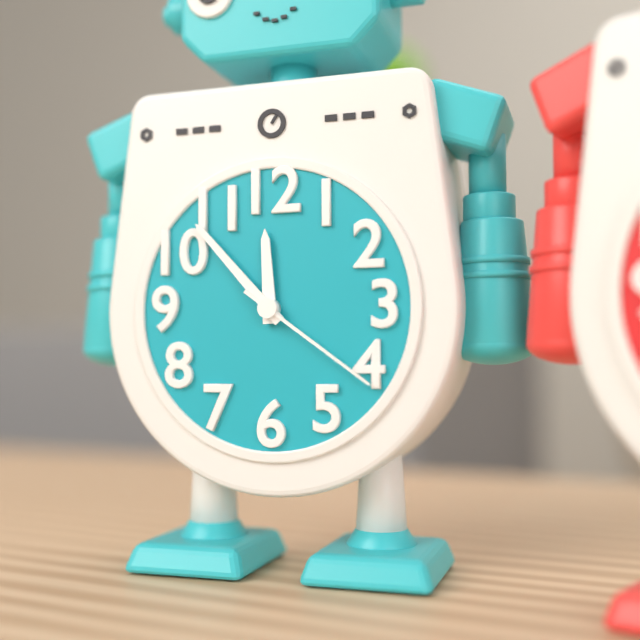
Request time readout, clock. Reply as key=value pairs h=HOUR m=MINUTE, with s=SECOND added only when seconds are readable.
h=11 m=53 s=21
